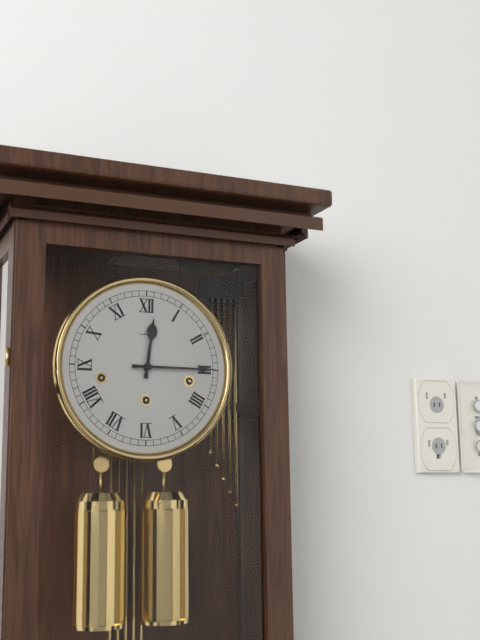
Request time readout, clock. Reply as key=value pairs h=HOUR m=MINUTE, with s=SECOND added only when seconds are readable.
h=12 m=15
